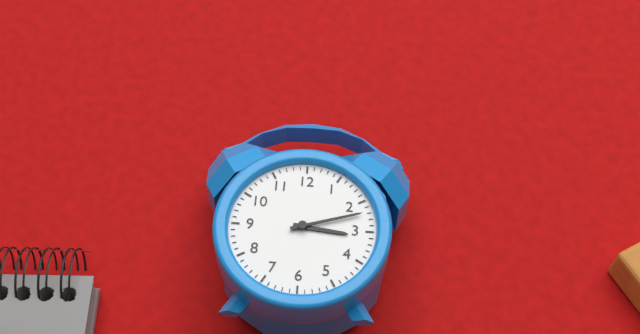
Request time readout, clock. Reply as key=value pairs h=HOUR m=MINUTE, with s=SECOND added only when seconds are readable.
h=3 m=12
